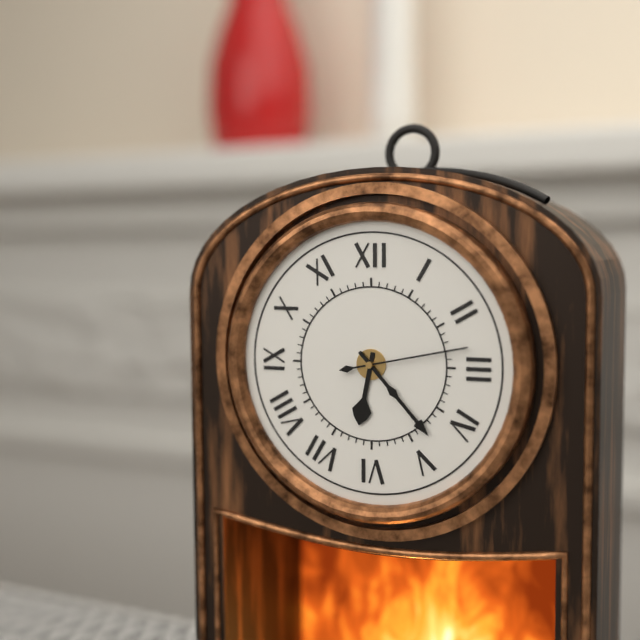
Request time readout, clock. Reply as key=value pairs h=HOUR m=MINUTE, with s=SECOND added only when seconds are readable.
h=6 m=23 s=13
